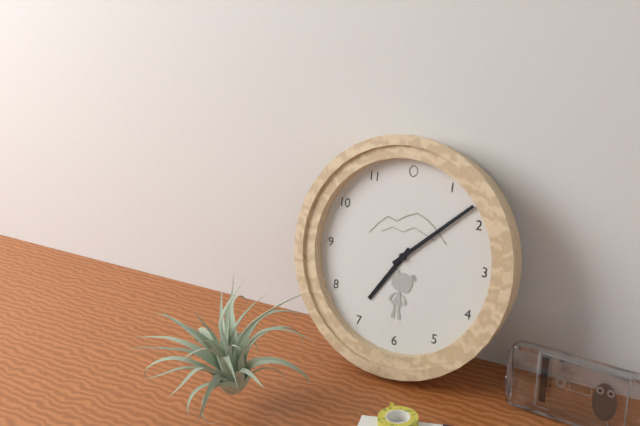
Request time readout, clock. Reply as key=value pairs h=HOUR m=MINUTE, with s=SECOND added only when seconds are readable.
h=7 m=8
